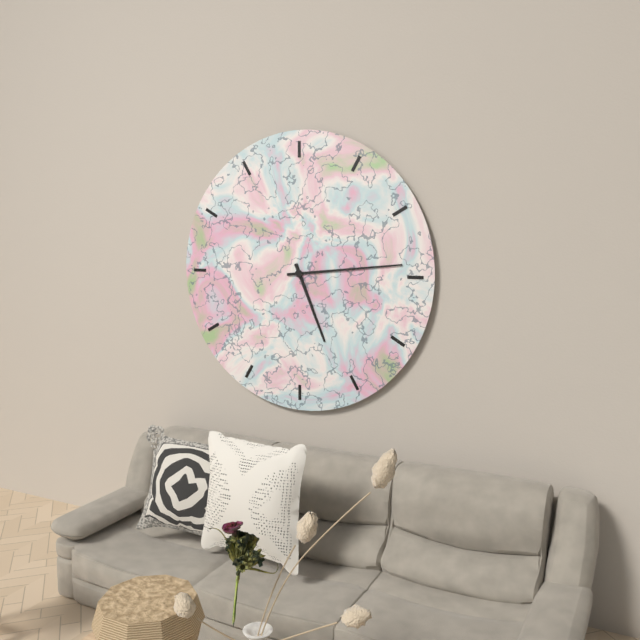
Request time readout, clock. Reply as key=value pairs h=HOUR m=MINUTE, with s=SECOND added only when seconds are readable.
h=5 m=14
